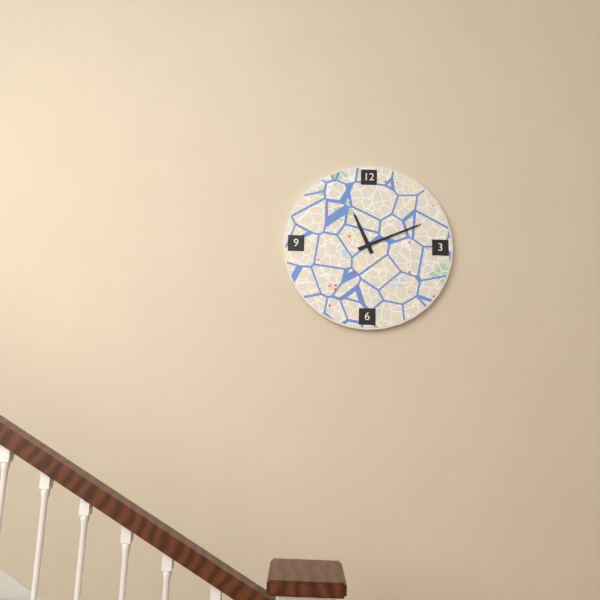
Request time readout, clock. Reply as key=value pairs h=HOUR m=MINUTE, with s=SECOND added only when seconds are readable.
h=11 m=11
